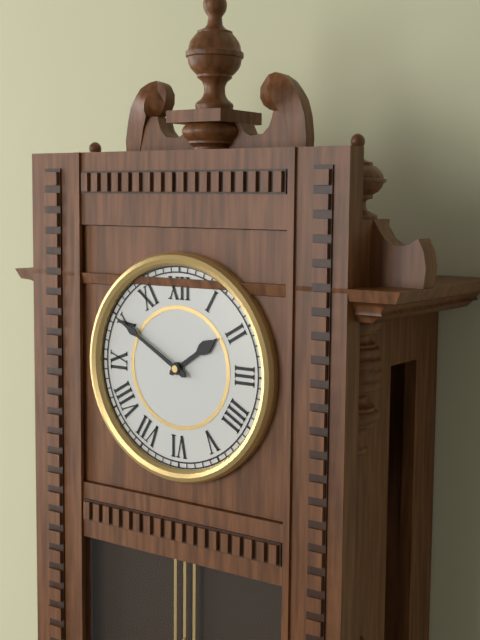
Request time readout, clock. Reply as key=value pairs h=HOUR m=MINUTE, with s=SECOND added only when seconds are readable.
h=1 m=50
